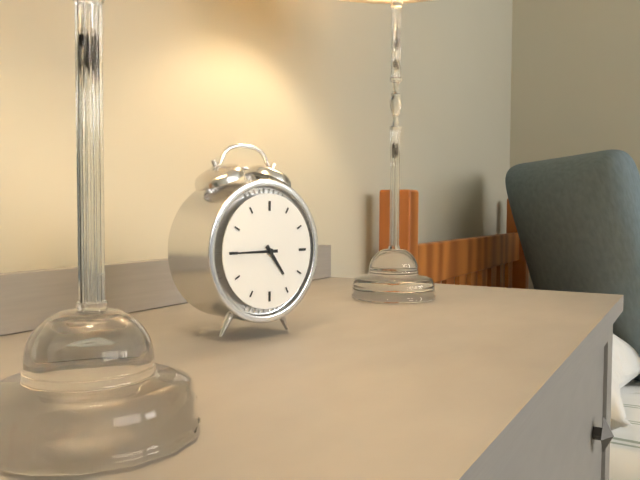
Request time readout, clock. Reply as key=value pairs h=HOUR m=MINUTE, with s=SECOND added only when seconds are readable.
h=4 m=45
